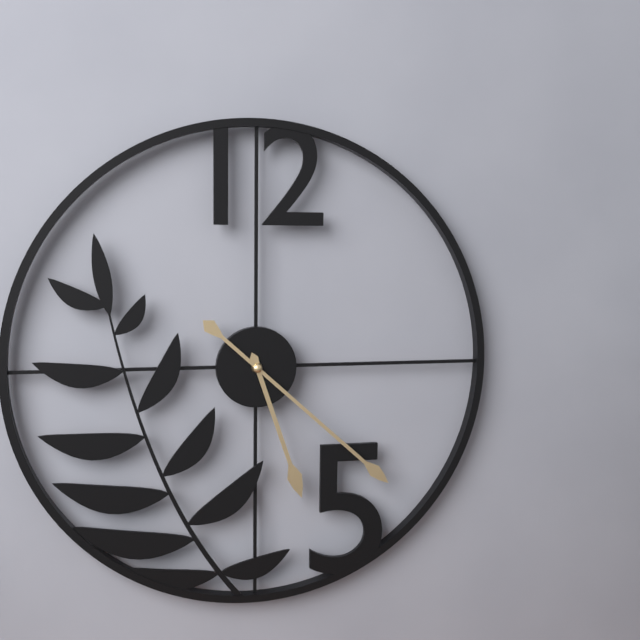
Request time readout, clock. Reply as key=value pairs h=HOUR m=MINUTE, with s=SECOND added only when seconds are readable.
h=5 m=22
